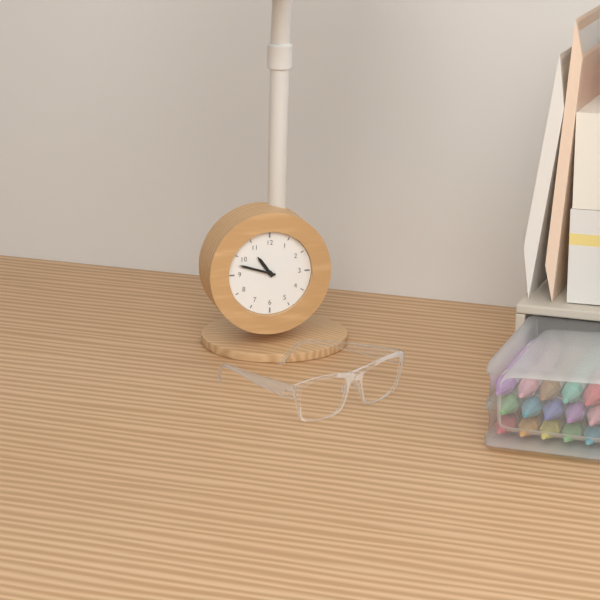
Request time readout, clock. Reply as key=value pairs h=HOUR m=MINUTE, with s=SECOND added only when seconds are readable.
h=10 m=48
